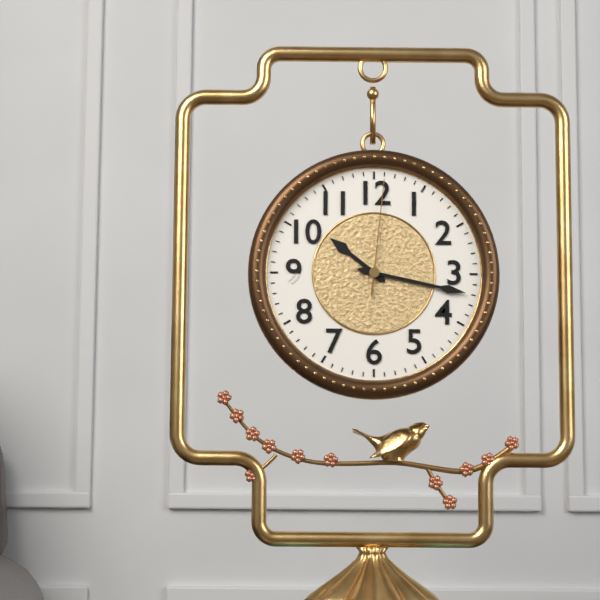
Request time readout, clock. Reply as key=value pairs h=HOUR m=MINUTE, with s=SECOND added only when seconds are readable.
h=10 m=17 s=1
